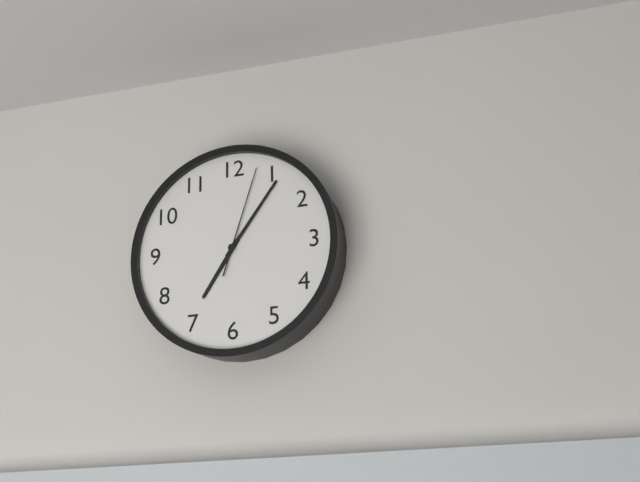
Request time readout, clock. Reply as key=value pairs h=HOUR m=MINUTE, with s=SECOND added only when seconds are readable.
h=7 m=6 s=3
